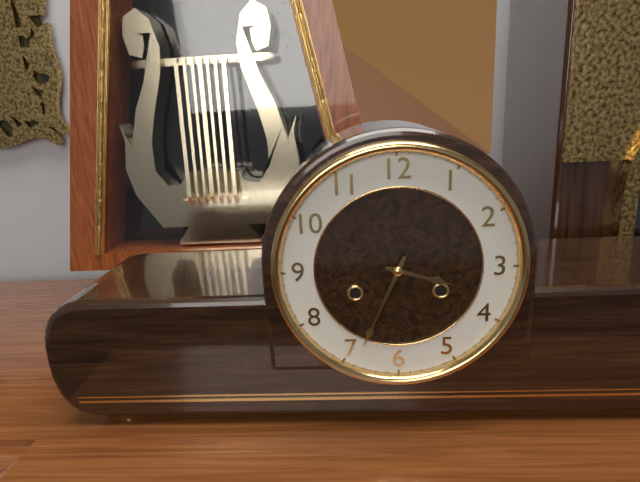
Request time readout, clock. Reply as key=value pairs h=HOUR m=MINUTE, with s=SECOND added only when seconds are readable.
h=3 m=34
